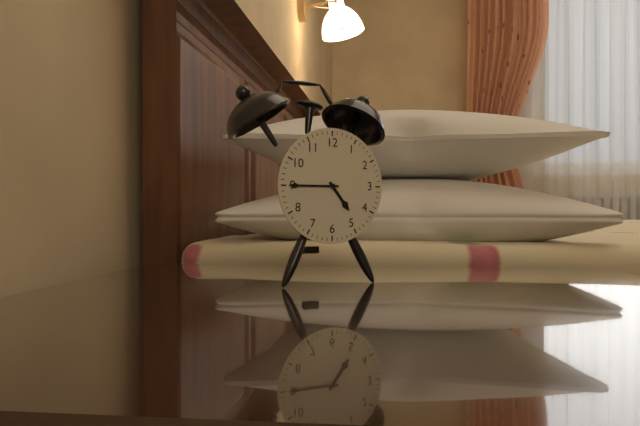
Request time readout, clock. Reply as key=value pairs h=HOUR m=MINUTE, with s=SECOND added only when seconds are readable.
h=4 m=45
